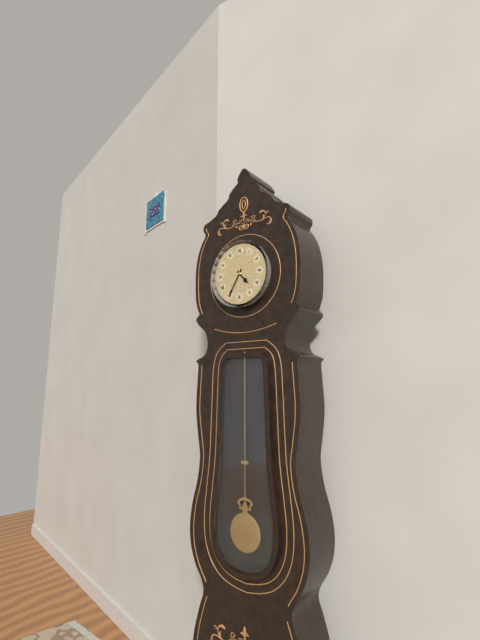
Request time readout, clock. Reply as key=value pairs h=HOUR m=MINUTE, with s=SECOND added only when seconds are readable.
h=4 m=35
